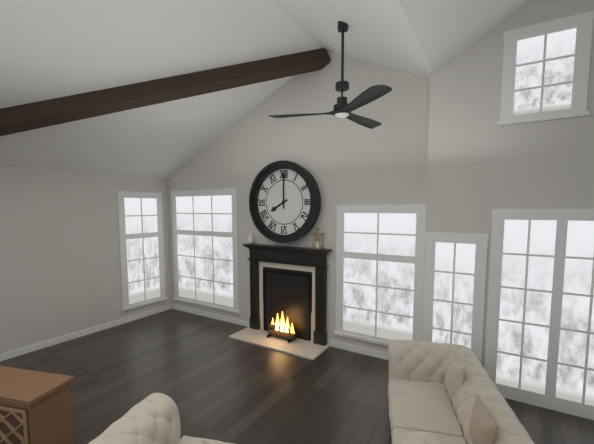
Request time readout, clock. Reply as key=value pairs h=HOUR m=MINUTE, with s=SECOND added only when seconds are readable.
h=8 m=0
